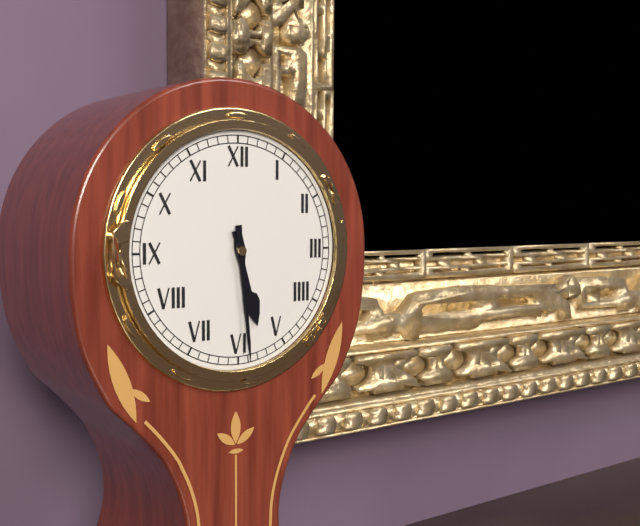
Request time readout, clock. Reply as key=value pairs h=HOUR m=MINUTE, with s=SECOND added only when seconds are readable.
h=5 m=29
